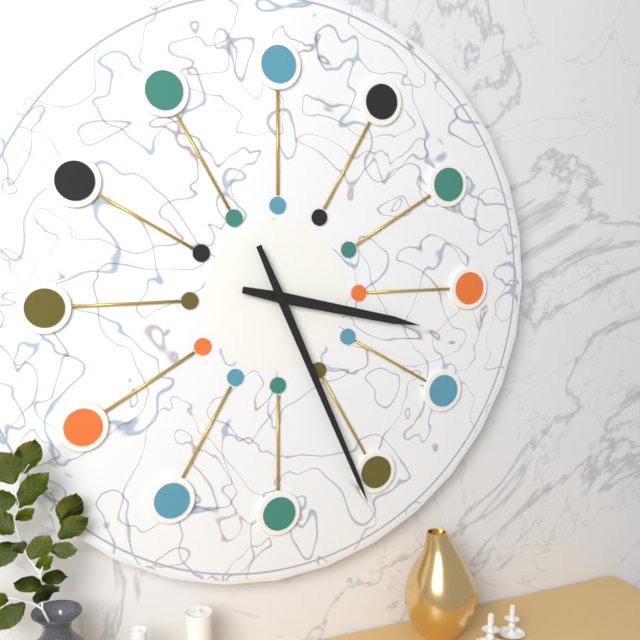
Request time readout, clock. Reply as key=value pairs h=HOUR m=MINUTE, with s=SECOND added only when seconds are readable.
h=3 m=26
